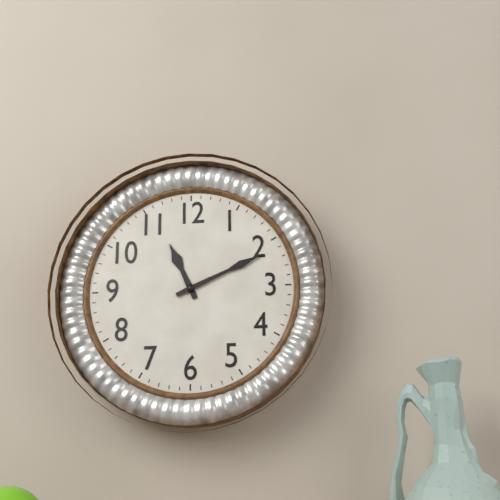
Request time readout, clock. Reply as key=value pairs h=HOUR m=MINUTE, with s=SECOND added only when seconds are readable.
h=11 m=11
